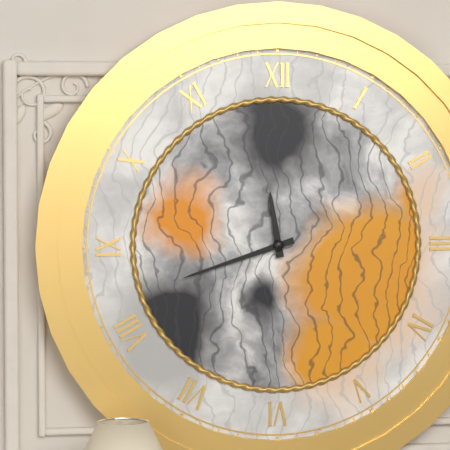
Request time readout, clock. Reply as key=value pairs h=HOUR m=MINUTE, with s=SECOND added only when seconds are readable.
h=11 m=42
